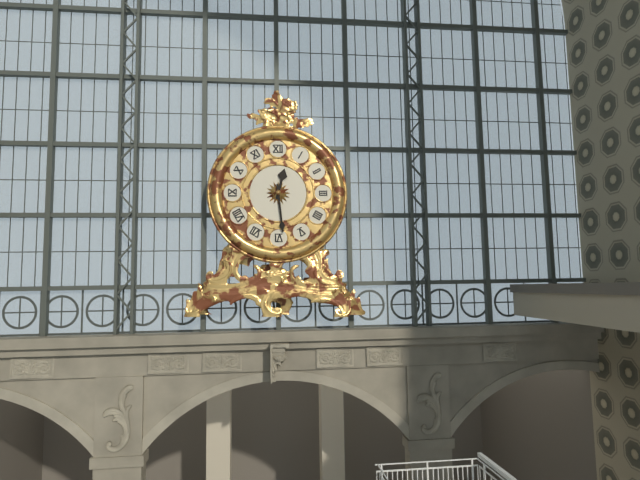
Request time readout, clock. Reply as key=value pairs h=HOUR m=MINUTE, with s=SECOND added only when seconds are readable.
h=12 m=29
